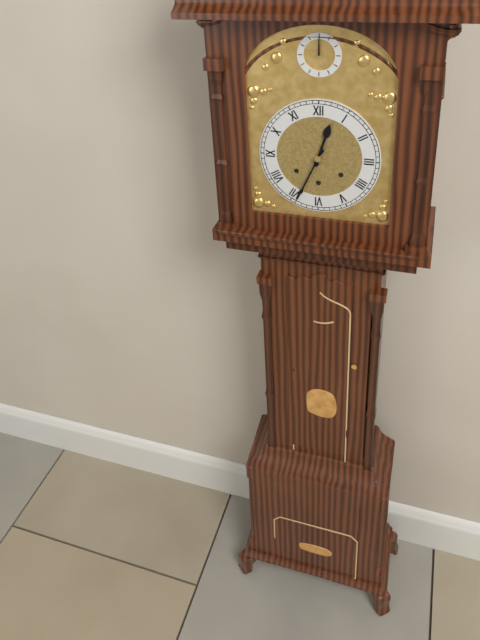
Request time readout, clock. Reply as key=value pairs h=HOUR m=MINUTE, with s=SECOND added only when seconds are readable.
h=12 m=34
